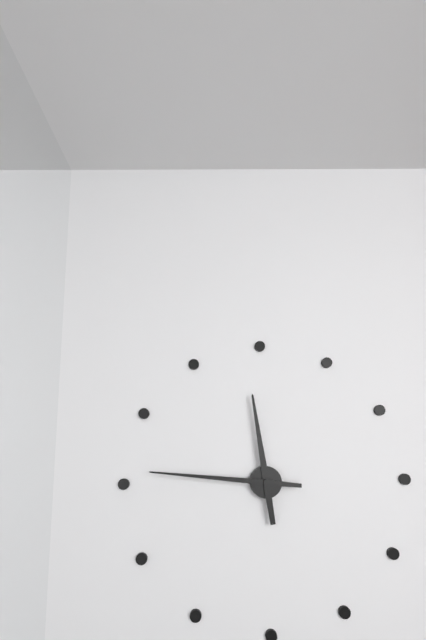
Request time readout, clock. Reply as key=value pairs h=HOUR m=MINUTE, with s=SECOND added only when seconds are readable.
h=11 m=46
